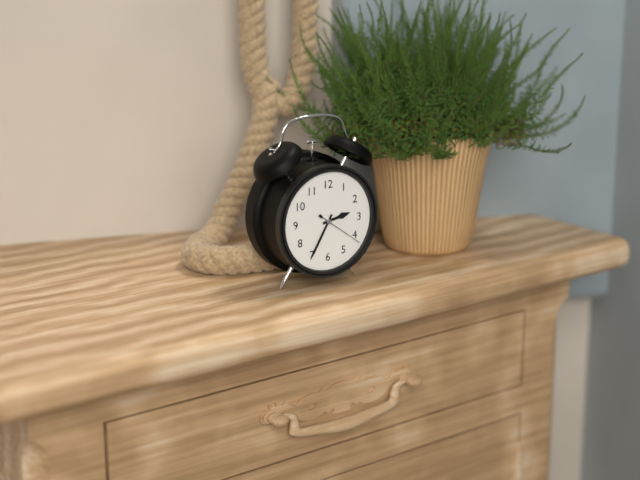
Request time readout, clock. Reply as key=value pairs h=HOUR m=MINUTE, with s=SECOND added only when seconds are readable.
h=2 m=35
